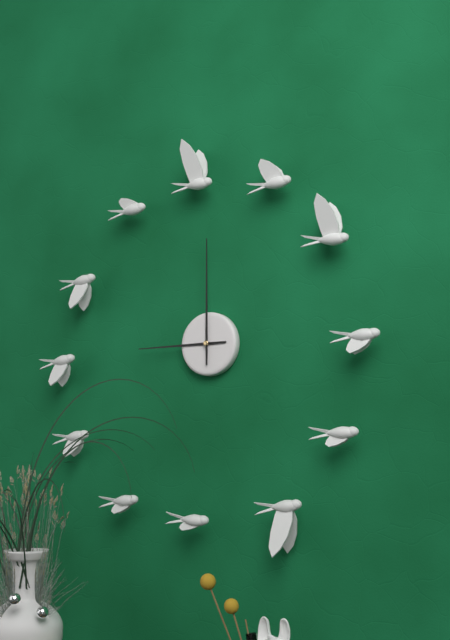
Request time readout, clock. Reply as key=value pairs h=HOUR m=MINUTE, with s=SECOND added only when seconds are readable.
h=9 m=0
